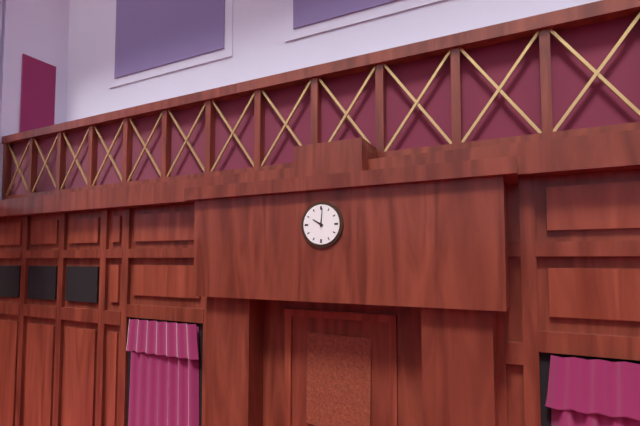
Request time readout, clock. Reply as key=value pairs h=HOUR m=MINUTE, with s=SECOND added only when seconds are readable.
h=10 m=1
